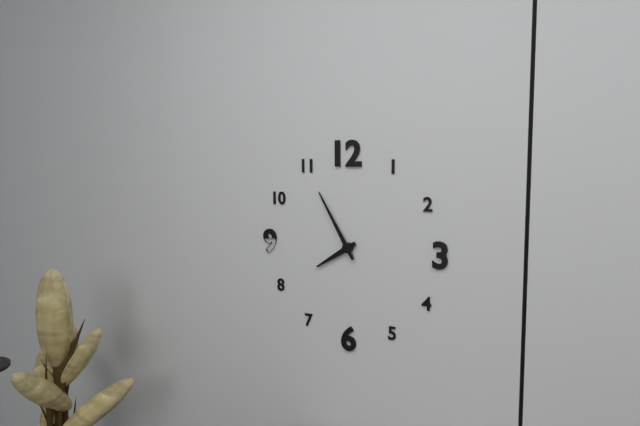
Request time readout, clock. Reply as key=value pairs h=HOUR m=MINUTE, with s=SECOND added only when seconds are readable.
h=7 m=55
